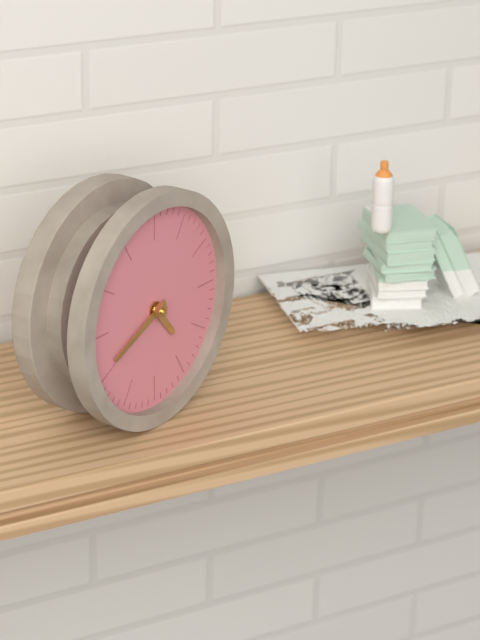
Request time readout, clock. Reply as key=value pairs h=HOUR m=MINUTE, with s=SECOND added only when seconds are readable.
h=4 m=41
